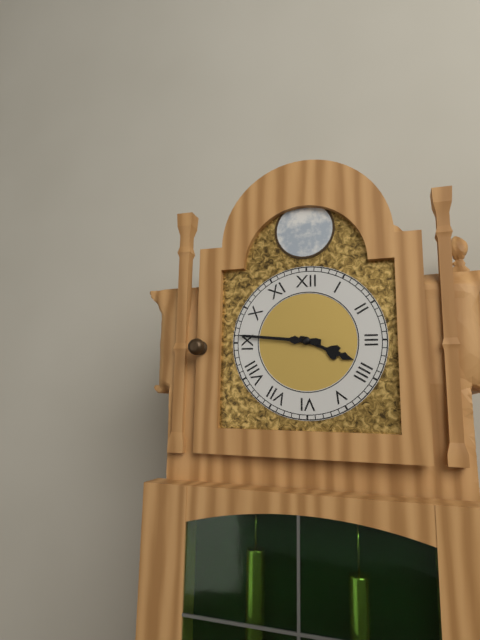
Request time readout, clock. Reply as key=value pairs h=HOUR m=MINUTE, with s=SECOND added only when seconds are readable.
h=3 m=46
